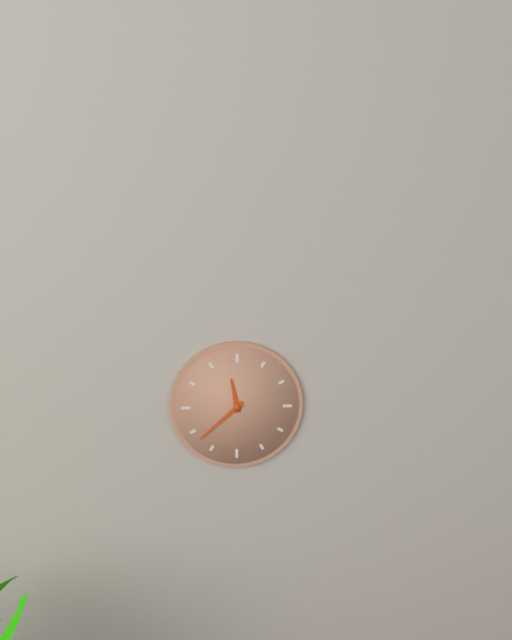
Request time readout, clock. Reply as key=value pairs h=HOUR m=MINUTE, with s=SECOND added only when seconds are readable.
h=11 m=38
